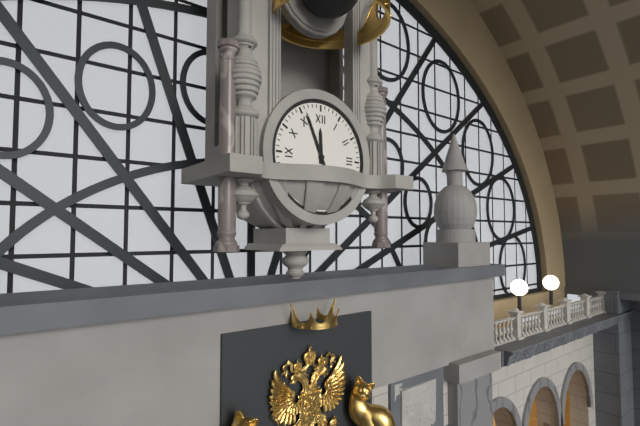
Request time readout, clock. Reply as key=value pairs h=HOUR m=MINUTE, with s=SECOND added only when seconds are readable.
h=11 m=56
